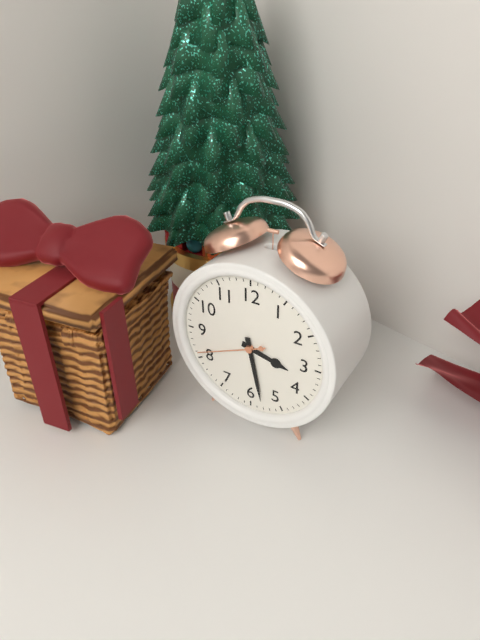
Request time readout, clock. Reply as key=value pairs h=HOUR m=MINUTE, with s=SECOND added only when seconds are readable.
h=3 m=28 s=41
